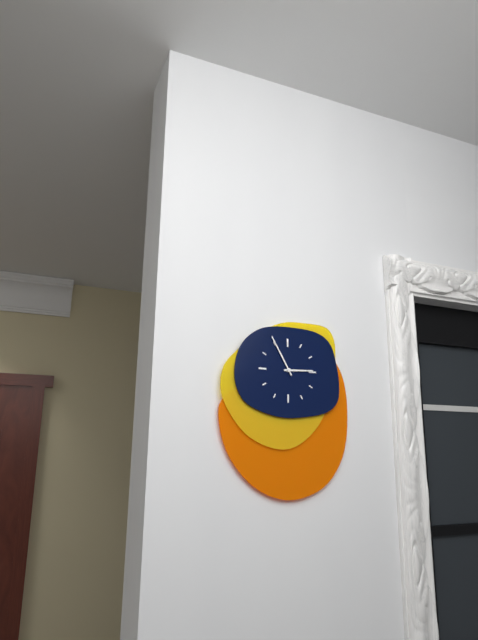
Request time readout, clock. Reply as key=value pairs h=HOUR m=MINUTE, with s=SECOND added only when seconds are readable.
h=2 m=55
